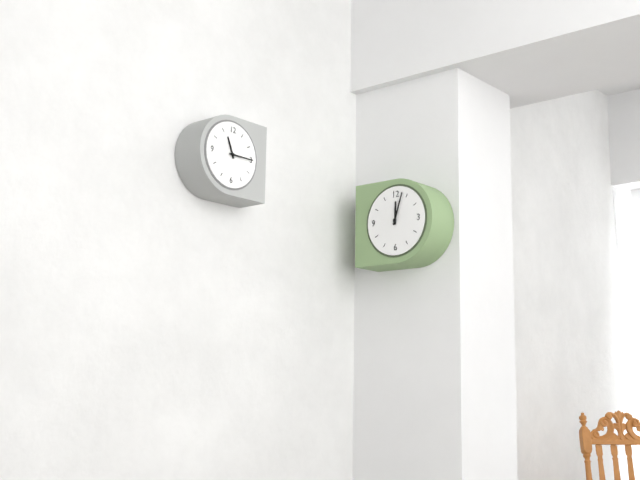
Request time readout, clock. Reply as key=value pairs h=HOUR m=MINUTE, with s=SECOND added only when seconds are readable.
h=12 m=3
